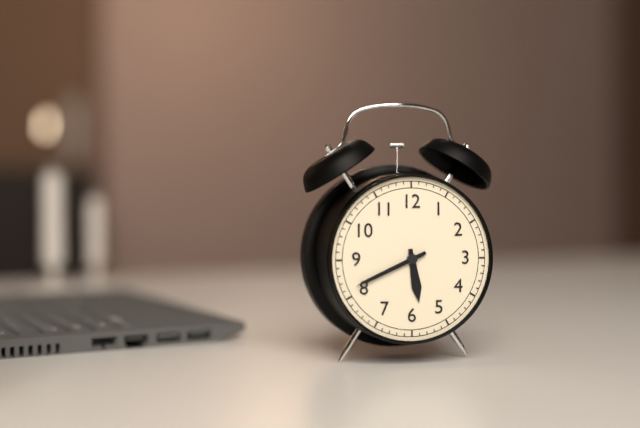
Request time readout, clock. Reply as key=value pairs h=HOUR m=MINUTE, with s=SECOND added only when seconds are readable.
h=5 m=41
